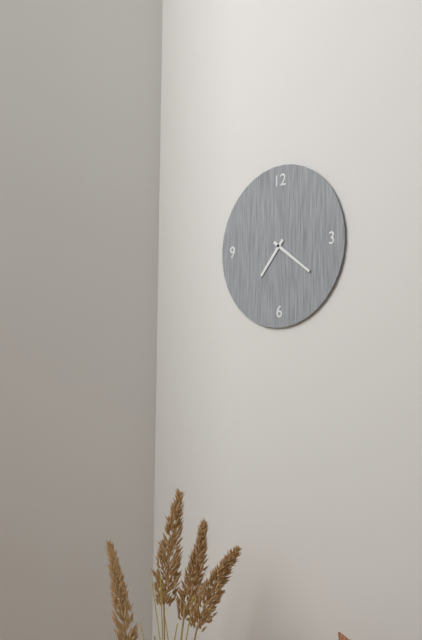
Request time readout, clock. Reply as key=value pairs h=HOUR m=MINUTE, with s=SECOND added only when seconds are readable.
h=7 m=21
